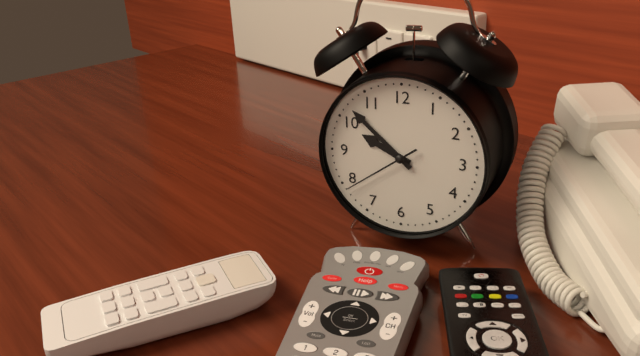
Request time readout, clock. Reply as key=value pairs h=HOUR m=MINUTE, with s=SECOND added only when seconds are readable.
h=9 m=52 s=39
